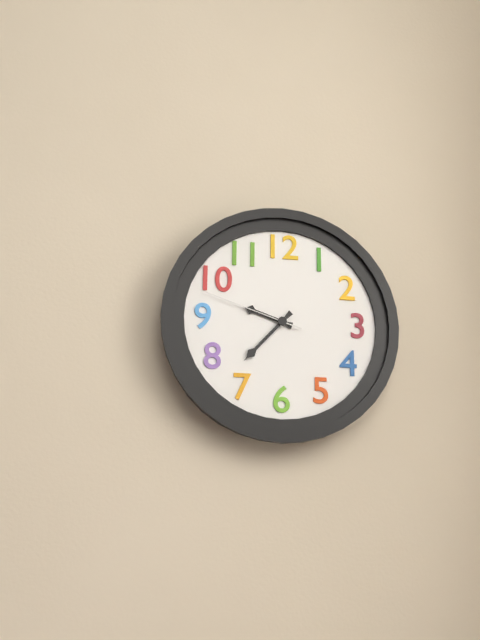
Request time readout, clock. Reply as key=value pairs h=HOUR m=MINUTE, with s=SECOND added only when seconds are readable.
h=9 m=37 s=48
